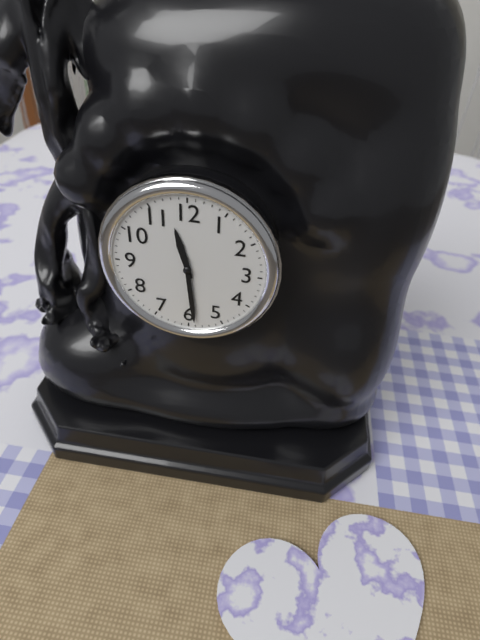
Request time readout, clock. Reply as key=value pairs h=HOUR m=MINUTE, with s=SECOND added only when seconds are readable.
h=11 m=29
